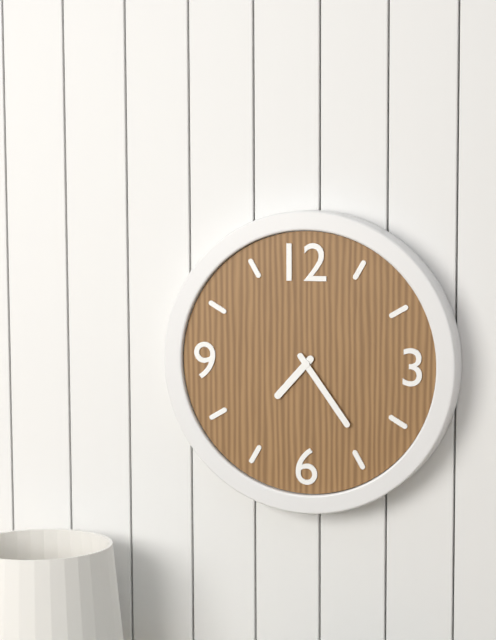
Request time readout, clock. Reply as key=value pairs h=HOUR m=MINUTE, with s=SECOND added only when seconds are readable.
h=7 m=24
